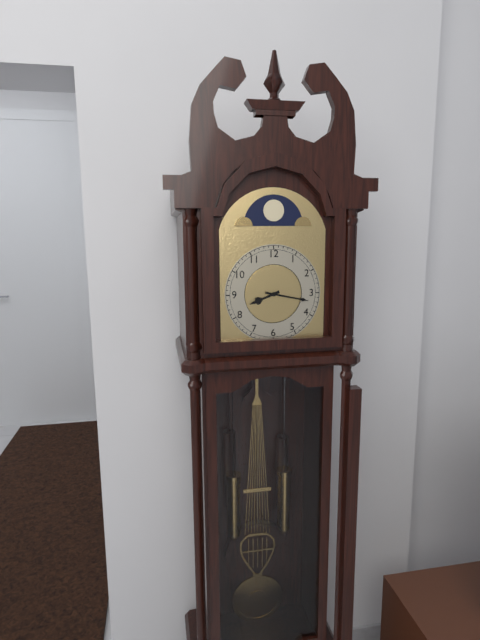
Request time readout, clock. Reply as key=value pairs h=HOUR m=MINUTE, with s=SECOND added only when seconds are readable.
h=8 m=17
